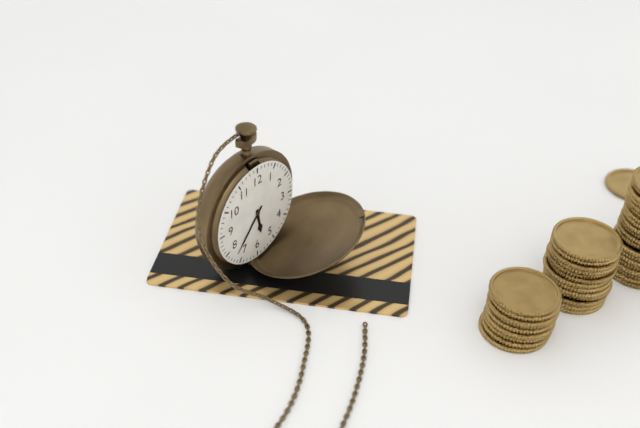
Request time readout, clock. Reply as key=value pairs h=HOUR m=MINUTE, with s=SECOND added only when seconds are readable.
h=5 m=37
